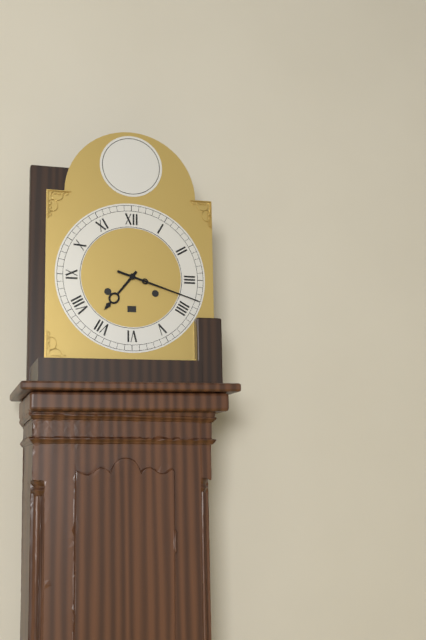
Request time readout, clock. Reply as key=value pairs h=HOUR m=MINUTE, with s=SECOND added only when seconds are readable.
h=7 m=18
